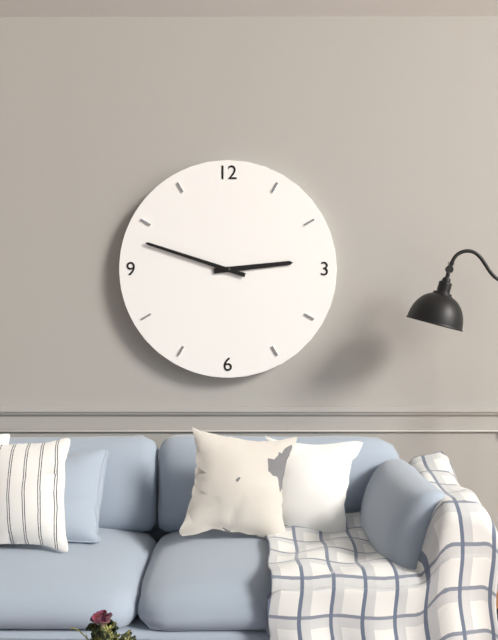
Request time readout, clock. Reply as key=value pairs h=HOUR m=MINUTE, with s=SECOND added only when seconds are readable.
h=2 m=48
